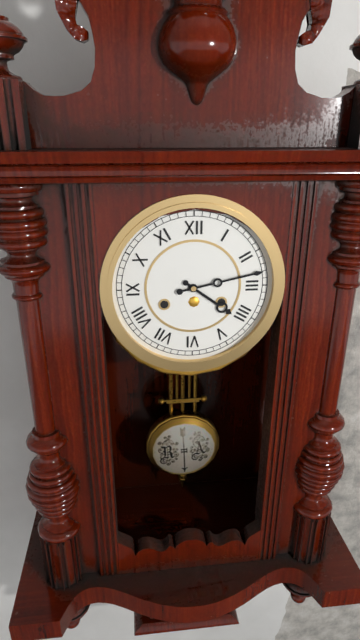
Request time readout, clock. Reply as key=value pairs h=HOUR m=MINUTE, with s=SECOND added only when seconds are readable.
h=4 m=13
